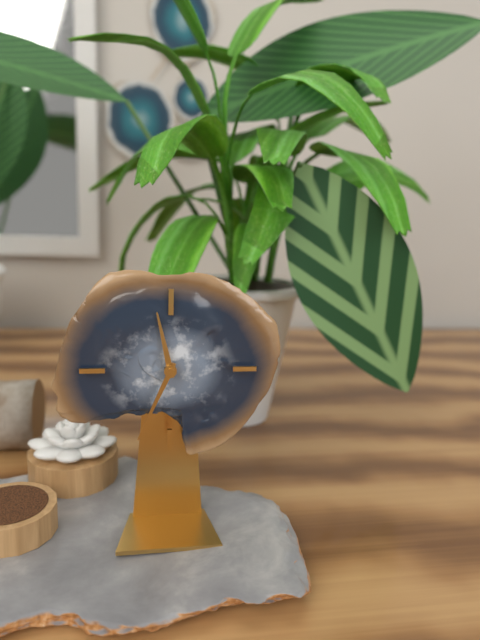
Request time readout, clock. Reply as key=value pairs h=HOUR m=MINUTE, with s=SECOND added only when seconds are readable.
h=11 m=34
